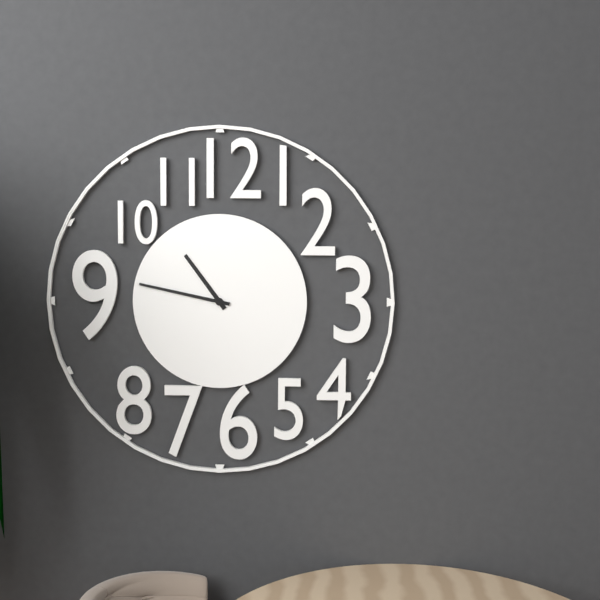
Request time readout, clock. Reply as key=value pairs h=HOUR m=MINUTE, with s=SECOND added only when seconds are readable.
h=10 m=47
